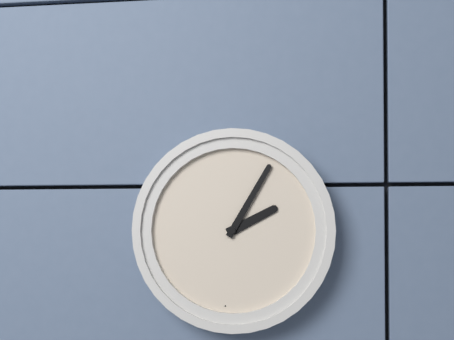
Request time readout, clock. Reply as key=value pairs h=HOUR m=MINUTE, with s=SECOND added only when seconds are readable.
h=2 m=5
